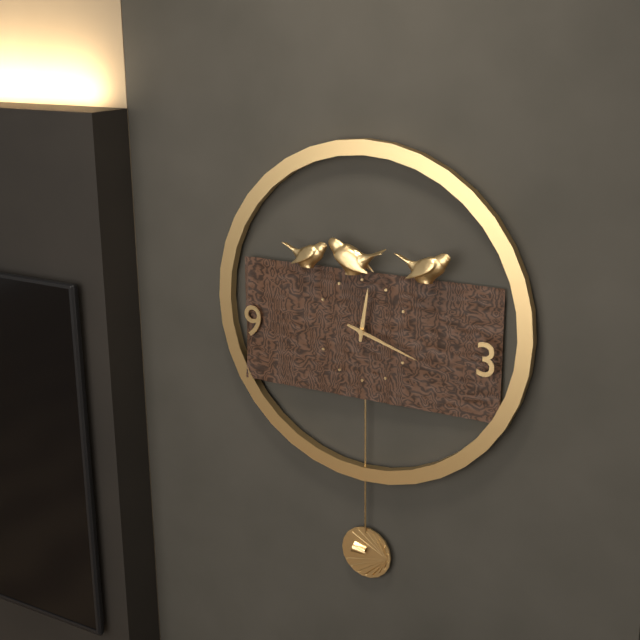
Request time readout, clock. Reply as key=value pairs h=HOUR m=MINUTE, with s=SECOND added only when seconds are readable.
h=12 m=18
